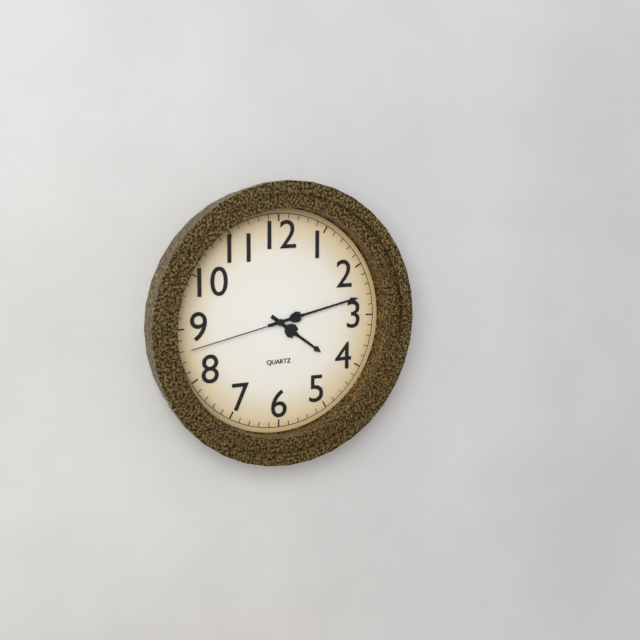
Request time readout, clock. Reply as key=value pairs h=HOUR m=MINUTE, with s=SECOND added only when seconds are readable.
h=4 m=13 s=43
